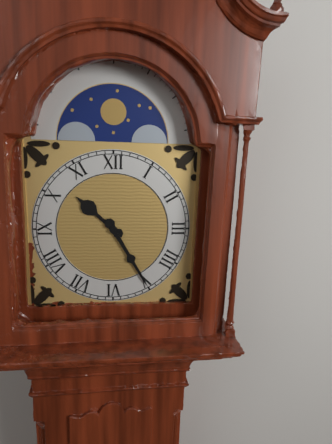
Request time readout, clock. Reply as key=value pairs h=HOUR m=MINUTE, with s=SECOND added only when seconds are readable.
h=10 m=25
